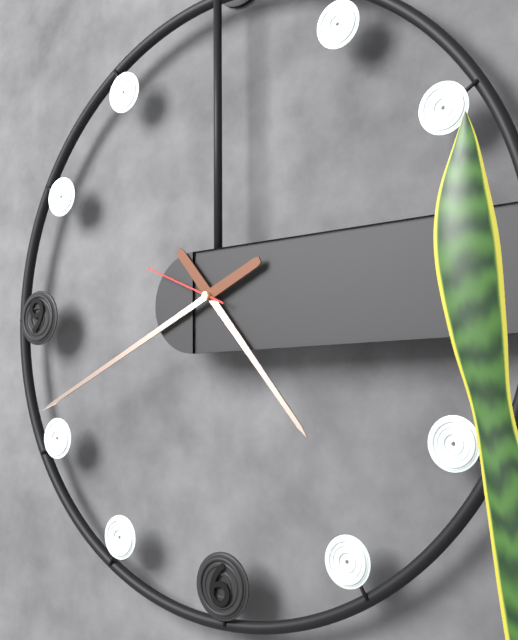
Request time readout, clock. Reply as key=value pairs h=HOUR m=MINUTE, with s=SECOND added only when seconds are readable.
h=4 m=41 s=49
